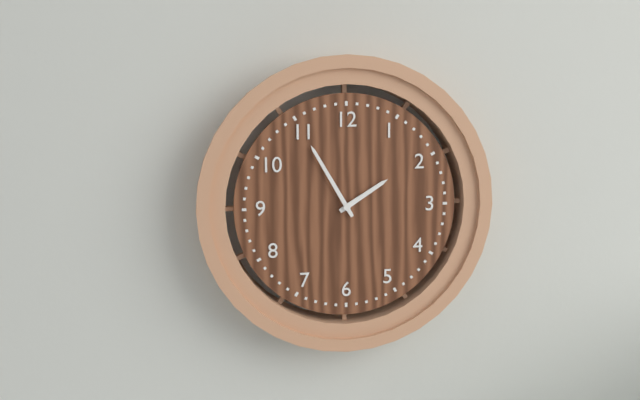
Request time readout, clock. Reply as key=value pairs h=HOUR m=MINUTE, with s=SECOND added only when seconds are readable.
h=1 m=55
